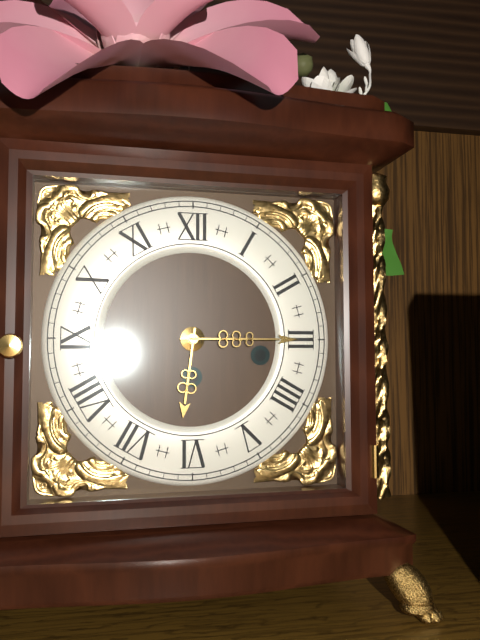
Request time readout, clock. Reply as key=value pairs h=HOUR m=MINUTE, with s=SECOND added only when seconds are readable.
h=6 m=15
